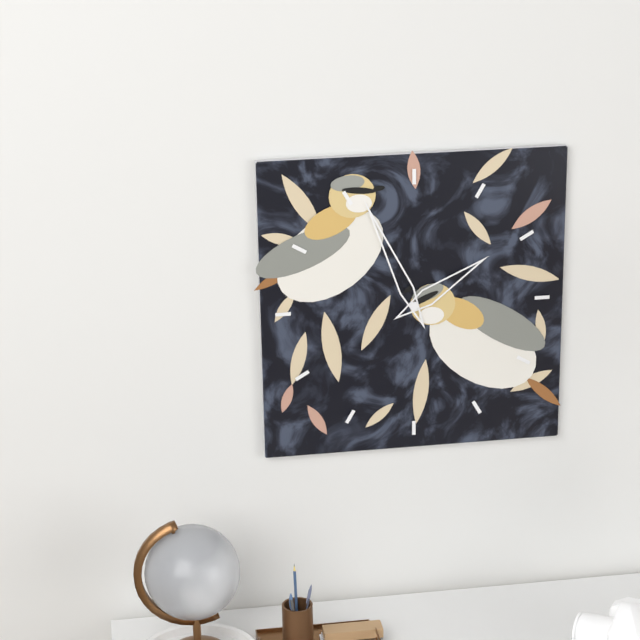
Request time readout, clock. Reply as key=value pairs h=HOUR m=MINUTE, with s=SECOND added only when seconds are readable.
h=1 m=56
